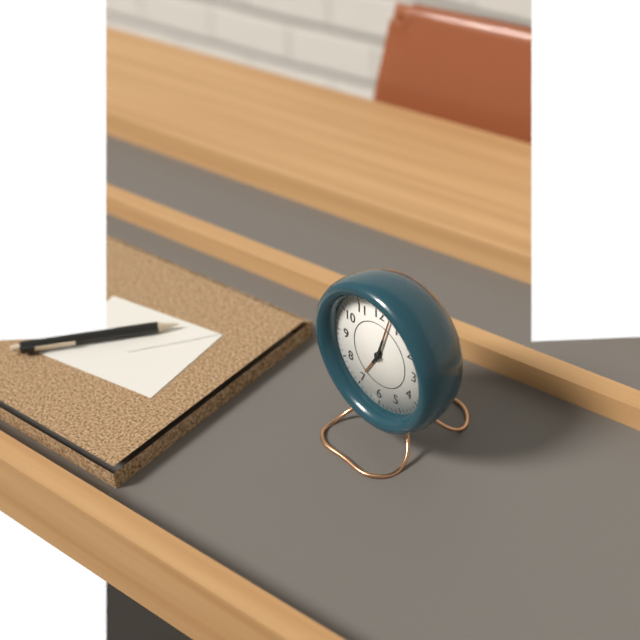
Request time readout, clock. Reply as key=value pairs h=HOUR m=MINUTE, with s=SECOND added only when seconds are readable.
h=7 m=3
